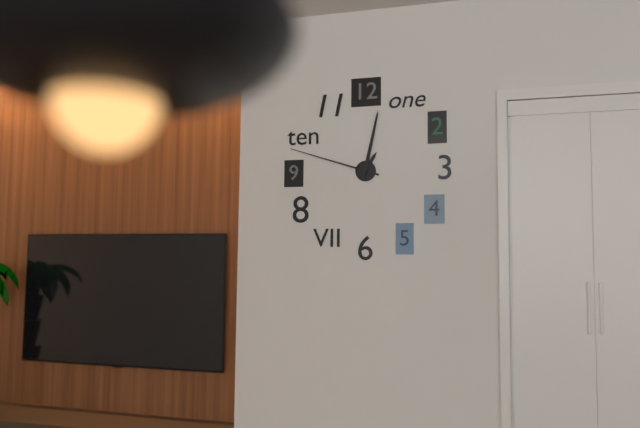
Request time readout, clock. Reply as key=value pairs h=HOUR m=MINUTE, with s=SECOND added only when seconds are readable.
h=1 m=2 s=48
